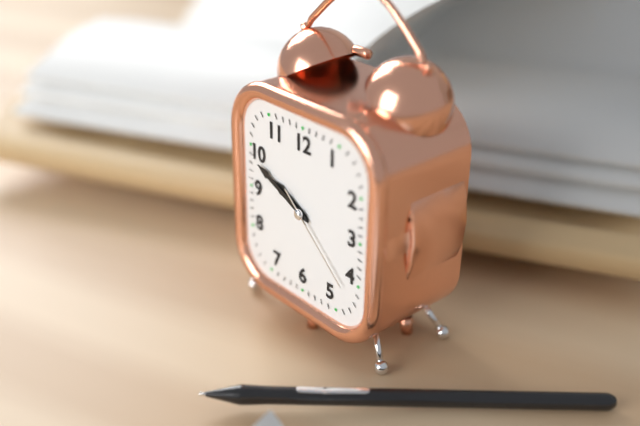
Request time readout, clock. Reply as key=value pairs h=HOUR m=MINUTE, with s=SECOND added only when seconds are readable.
h=9 m=49 s=22
